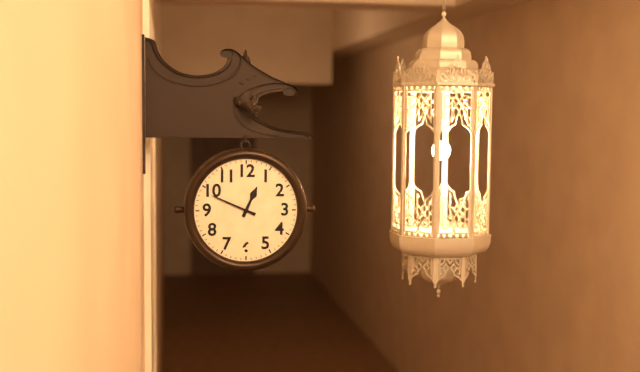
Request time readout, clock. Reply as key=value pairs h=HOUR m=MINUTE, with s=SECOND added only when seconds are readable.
h=12 m=49
